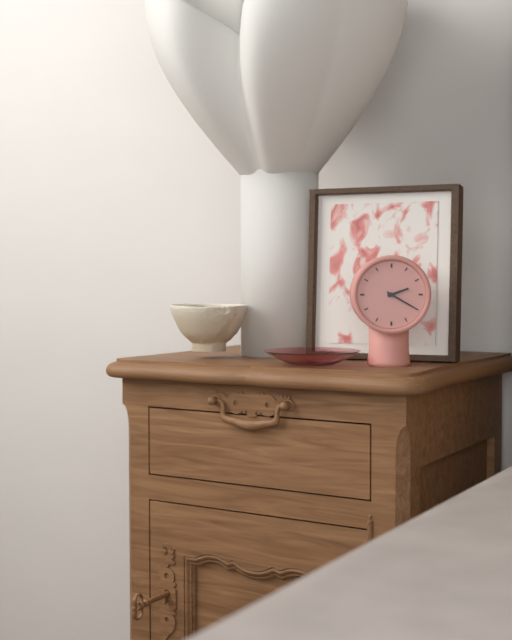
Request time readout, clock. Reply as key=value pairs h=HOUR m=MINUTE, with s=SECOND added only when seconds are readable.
h=2 m=20
